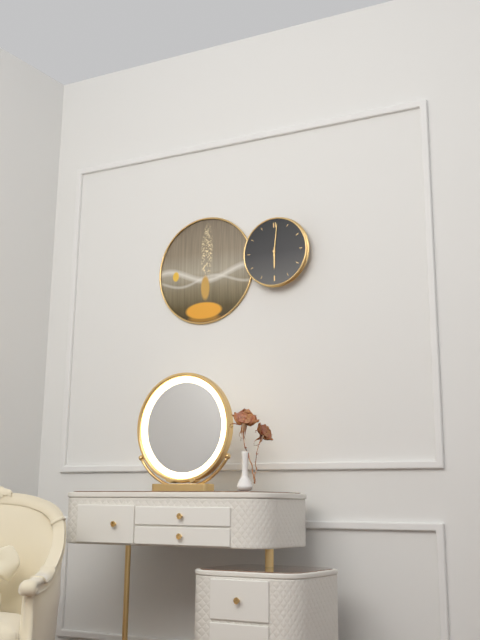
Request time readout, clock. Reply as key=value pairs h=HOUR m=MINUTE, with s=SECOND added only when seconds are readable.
h=6 m=1
